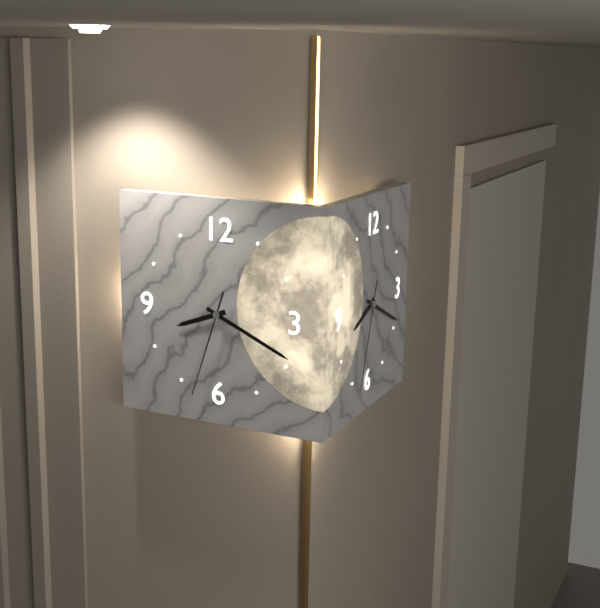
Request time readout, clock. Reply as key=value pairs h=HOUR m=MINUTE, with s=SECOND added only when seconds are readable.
h=8 m=19 s=33
